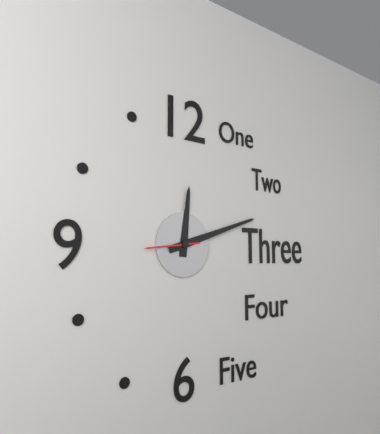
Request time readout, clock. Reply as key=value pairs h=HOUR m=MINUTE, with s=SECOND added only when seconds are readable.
h=12 m=12 s=44
